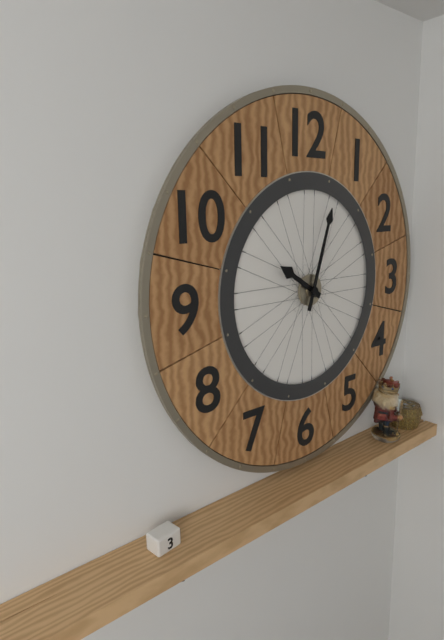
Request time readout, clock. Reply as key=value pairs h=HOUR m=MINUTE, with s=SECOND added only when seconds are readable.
h=10 m=3
